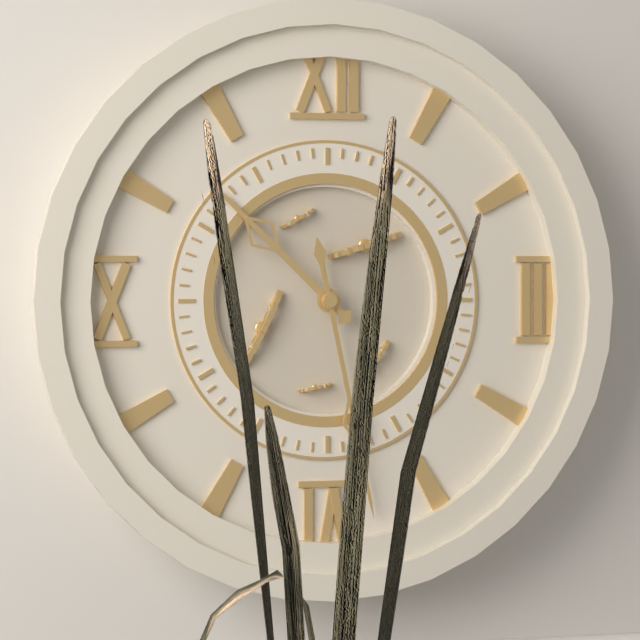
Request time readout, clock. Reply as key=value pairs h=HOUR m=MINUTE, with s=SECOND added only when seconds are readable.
h=10 m=28
